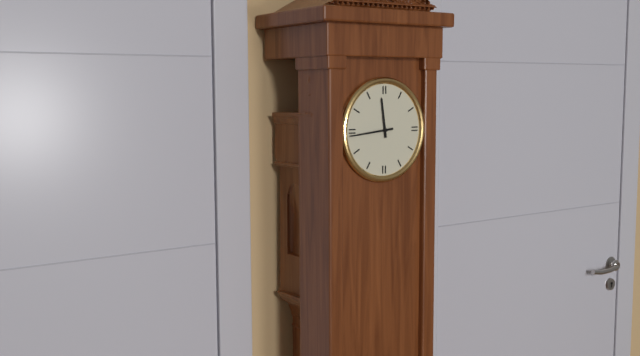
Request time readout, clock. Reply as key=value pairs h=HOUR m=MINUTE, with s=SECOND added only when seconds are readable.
h=11 m=44
